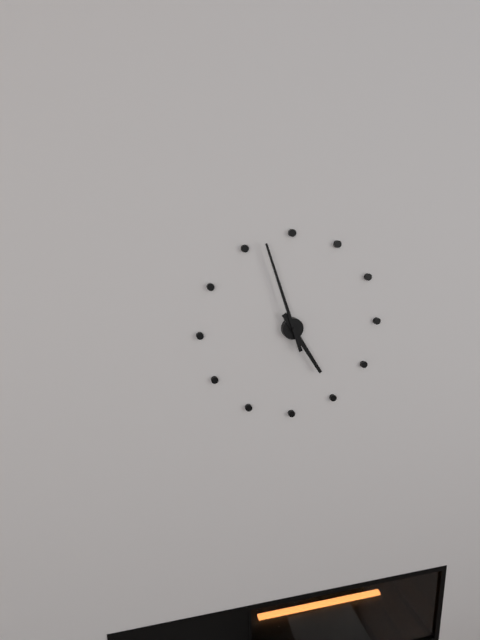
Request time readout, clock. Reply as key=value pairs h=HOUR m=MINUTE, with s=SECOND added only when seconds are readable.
h=4 m=57
